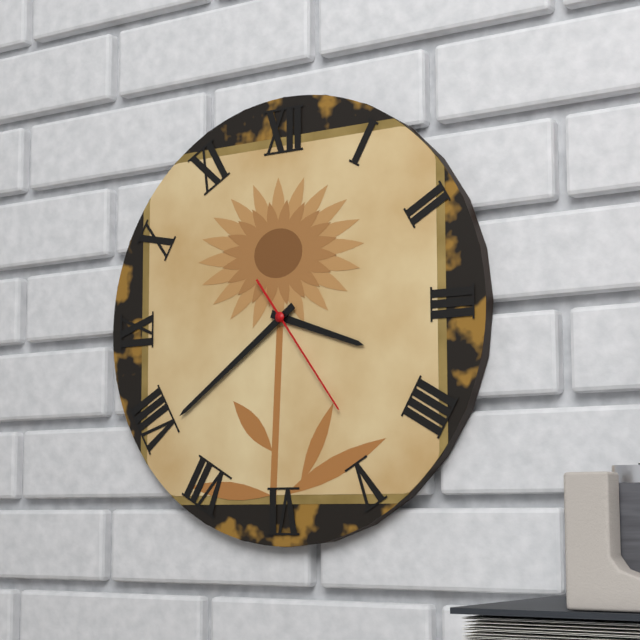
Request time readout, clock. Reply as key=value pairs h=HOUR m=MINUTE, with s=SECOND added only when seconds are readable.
h=3 m=39 s=24
